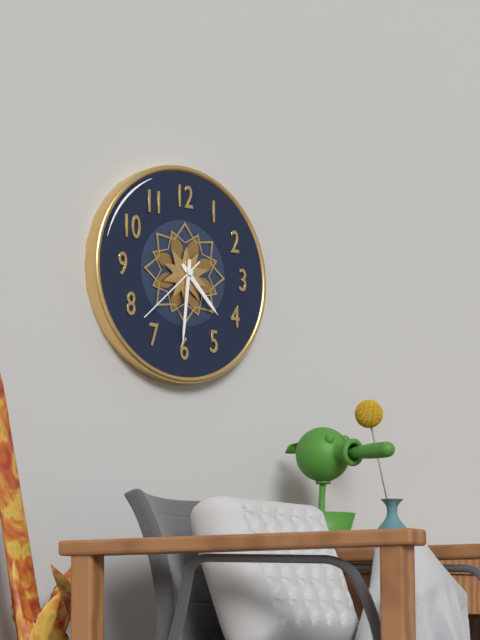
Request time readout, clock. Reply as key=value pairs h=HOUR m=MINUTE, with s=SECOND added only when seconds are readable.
h=4 m=31 s=38
